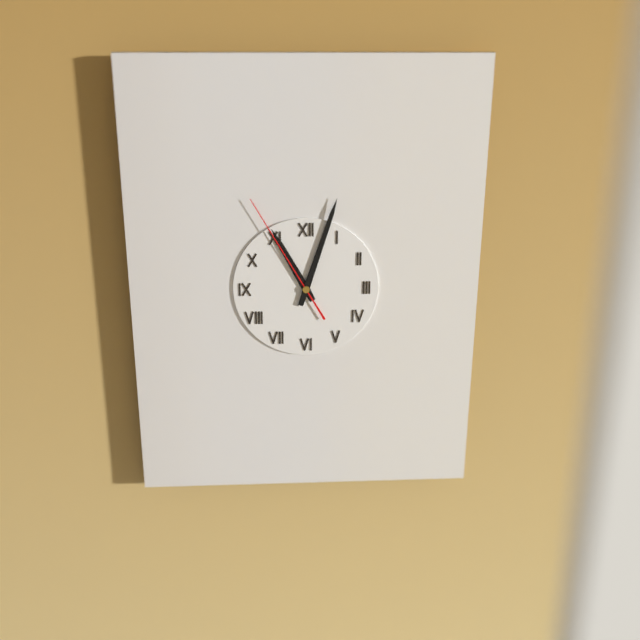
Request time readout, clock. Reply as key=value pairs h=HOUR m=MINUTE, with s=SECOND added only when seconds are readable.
h=11 m=3 s=55
